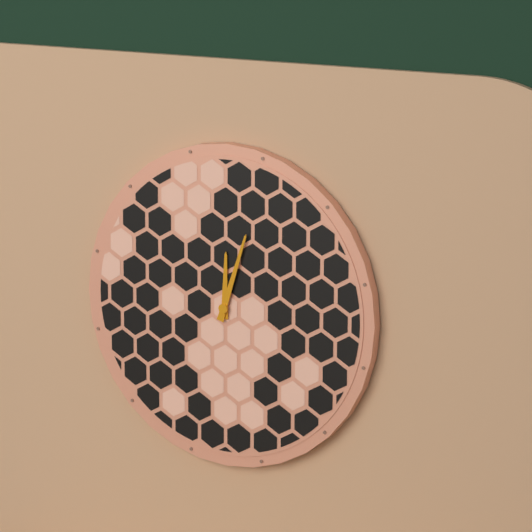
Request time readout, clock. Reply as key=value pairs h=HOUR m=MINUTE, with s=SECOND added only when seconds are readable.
h=12 m=3
